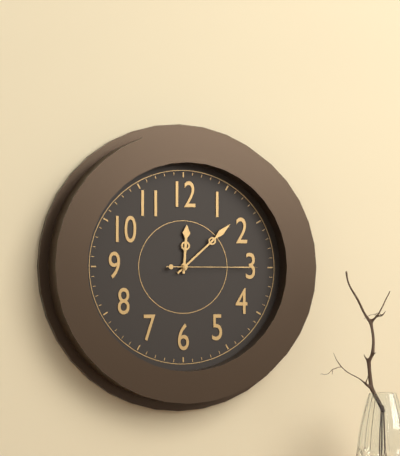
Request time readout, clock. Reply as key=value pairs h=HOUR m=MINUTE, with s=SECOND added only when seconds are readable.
h=12 m=8 s=15
